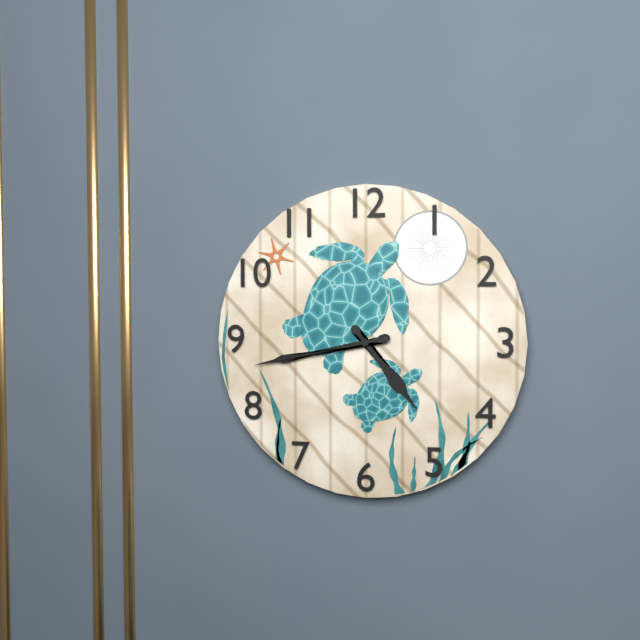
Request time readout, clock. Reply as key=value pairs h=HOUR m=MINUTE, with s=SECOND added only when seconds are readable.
h=4 m=43
